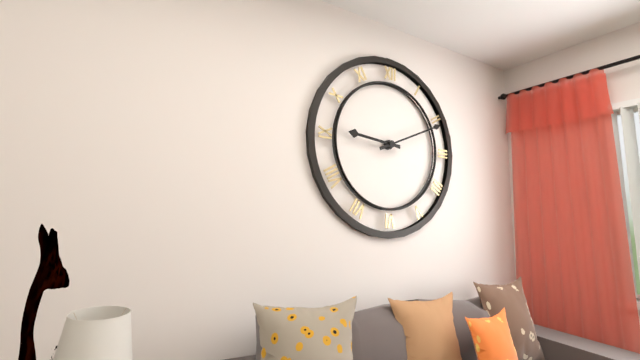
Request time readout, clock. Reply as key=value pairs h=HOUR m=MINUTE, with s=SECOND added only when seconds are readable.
h=9 m=11
